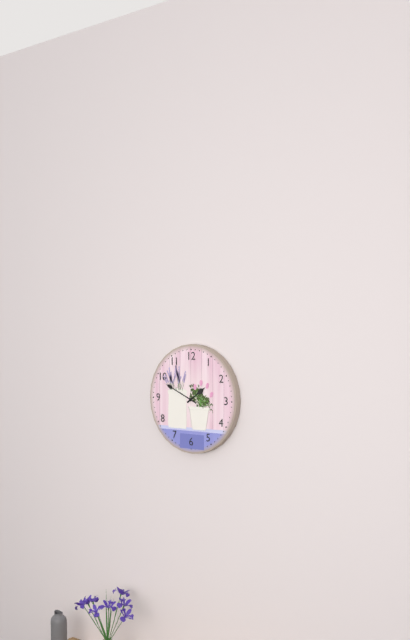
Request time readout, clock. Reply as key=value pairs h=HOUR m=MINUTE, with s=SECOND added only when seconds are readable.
h=1 m=49
